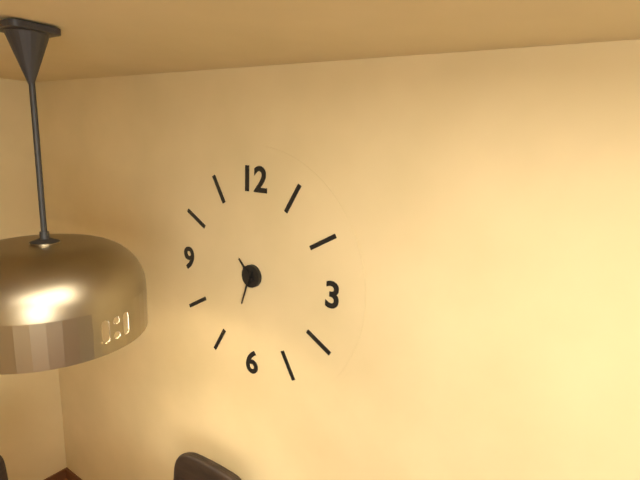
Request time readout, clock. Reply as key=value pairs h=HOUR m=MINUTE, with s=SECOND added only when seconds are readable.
h=10 m=33
